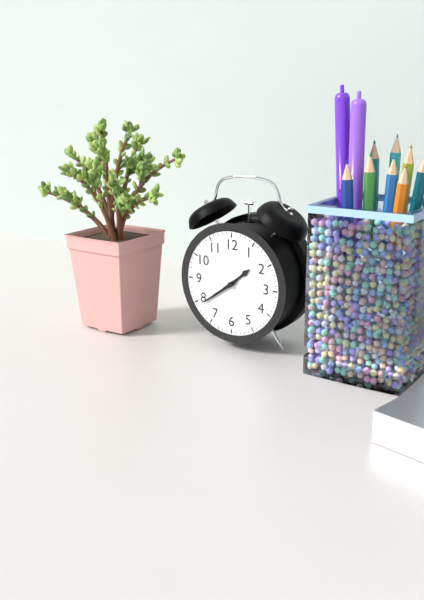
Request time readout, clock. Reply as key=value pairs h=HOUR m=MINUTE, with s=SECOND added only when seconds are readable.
h=1 m=39
